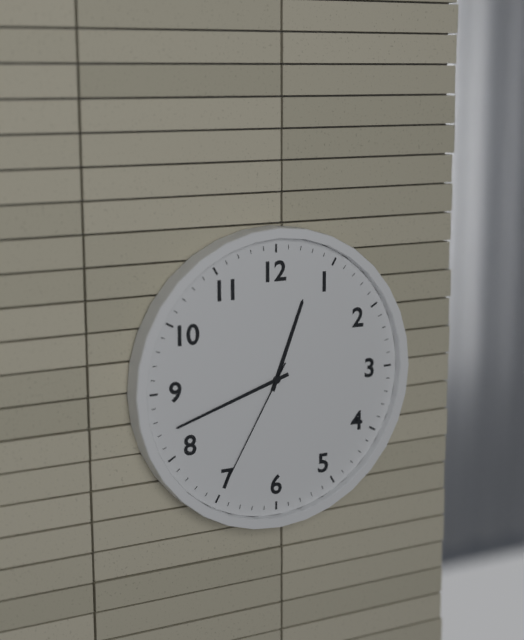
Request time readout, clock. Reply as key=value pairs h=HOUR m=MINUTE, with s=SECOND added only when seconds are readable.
h=12 m=42 s=35
